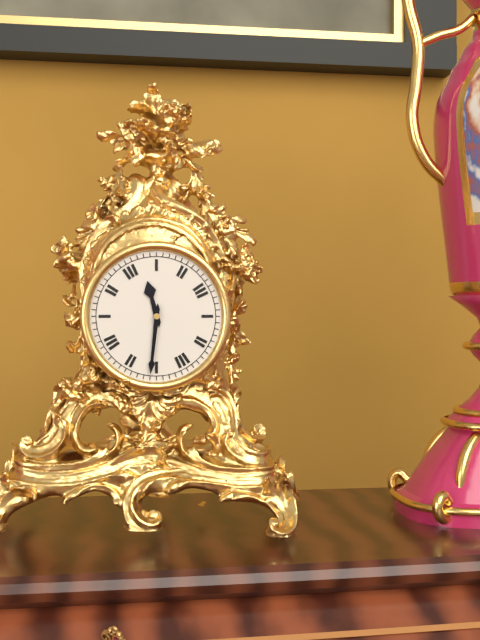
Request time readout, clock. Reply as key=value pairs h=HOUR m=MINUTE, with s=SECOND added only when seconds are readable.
h=11 m=31
